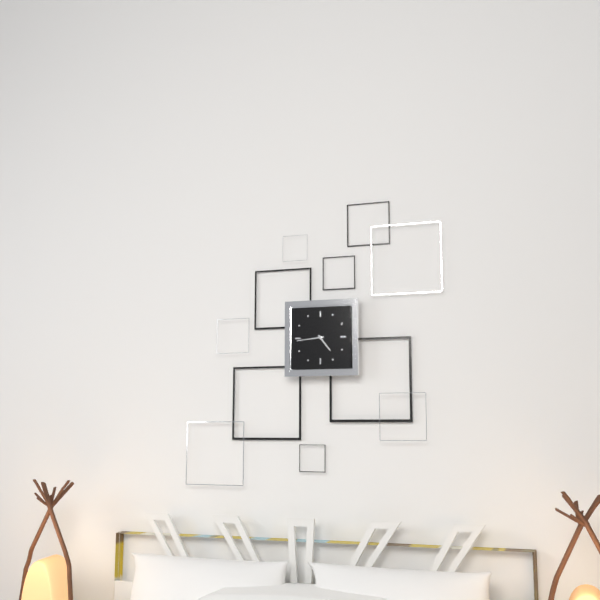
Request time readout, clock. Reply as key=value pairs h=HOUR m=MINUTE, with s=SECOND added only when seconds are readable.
h=4 m=44
